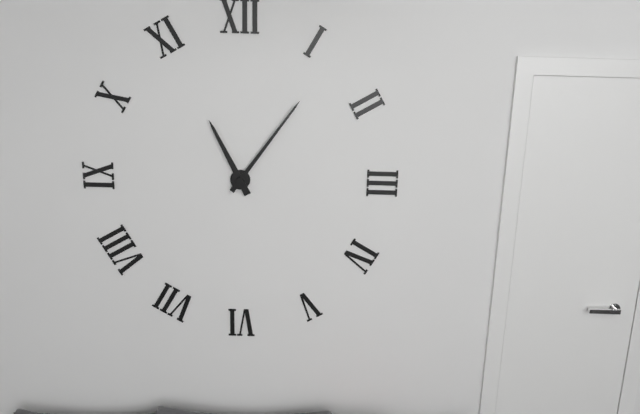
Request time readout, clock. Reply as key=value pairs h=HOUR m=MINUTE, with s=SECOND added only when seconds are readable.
h=11 m=6
